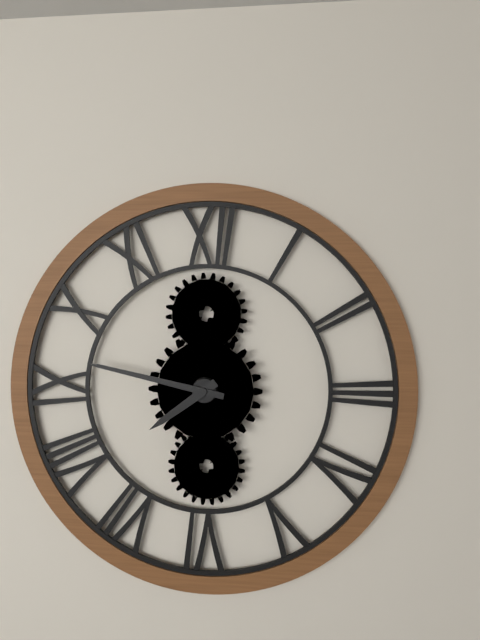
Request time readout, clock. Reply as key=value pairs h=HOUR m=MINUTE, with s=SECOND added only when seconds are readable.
h=7 m=47
